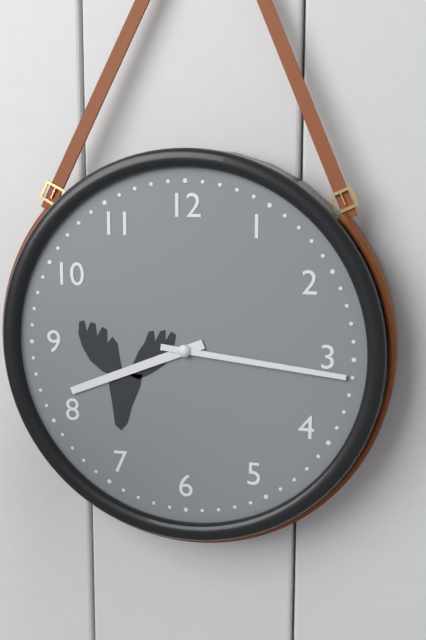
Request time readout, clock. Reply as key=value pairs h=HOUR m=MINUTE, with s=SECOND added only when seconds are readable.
h=8 m=16
